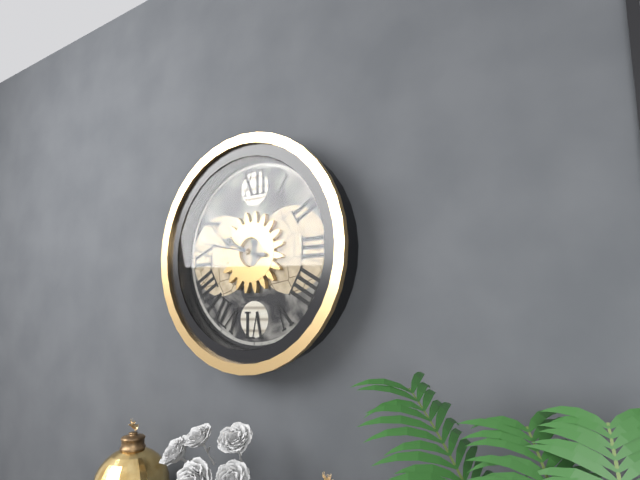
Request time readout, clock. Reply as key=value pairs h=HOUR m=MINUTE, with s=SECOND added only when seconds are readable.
h=9 m=47
